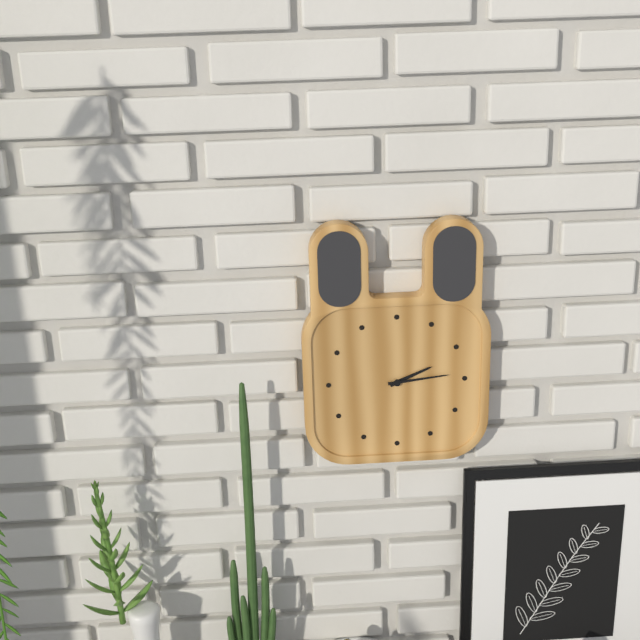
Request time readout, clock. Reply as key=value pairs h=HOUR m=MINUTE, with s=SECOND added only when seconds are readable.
h=2 m=14
